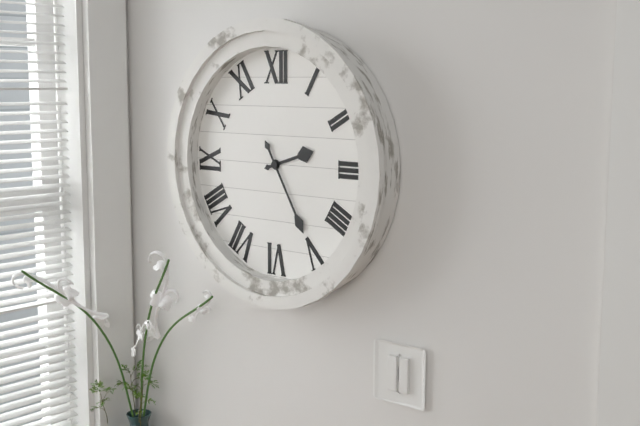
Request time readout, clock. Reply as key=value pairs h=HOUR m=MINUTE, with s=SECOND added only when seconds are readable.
h=2 m=25
